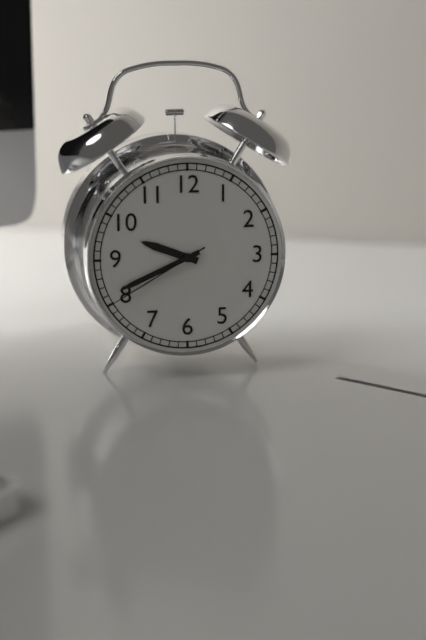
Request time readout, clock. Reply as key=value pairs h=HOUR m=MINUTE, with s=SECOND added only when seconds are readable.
h=9 m=41 s=40
